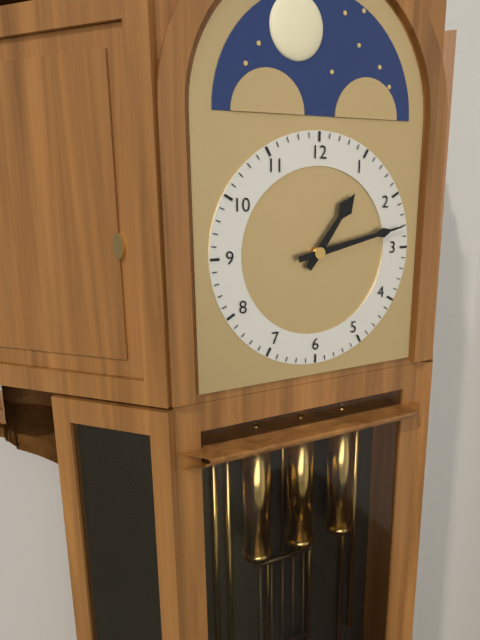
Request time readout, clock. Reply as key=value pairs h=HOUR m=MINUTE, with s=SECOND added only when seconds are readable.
h=1 m=13
